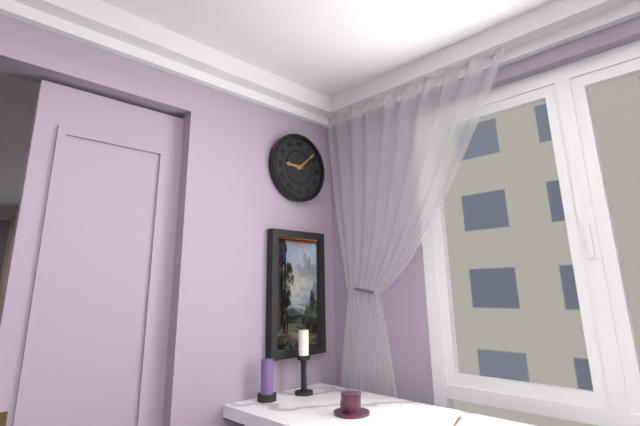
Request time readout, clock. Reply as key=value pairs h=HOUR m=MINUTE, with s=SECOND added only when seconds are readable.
h=9 m=8
